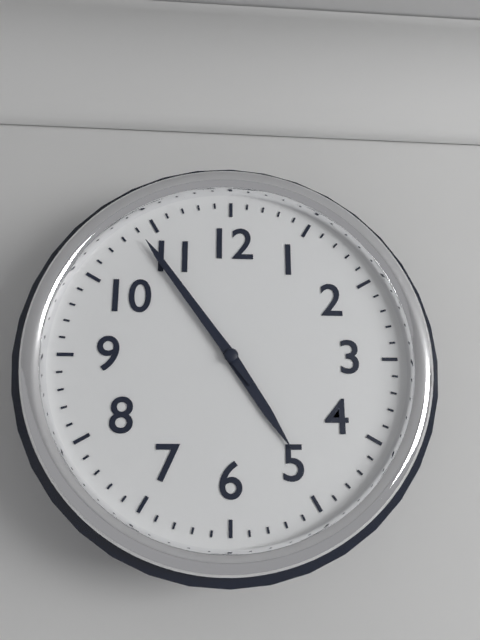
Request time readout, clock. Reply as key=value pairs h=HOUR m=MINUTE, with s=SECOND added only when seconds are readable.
h=4 m=54
